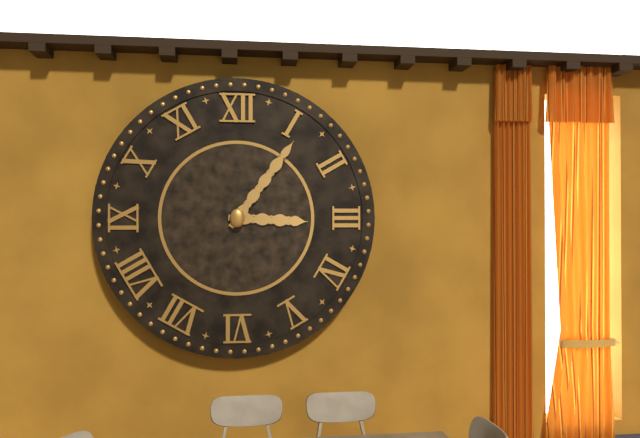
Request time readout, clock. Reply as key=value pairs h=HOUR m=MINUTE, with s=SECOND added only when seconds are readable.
h=3 m=6
